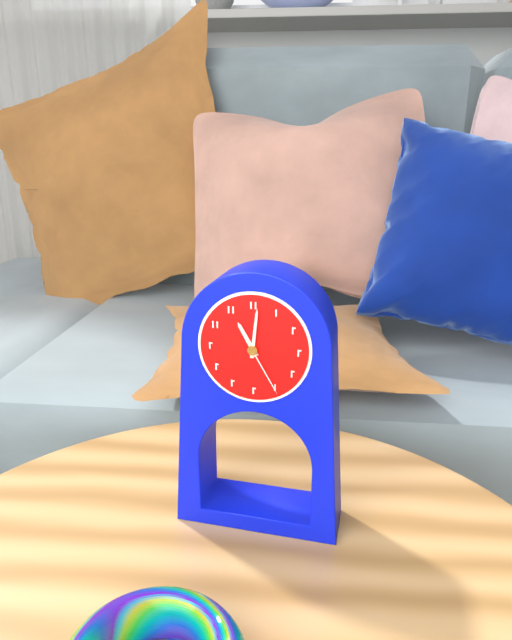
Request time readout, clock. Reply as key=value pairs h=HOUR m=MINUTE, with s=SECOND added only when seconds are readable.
h=11 m=1 s=25
